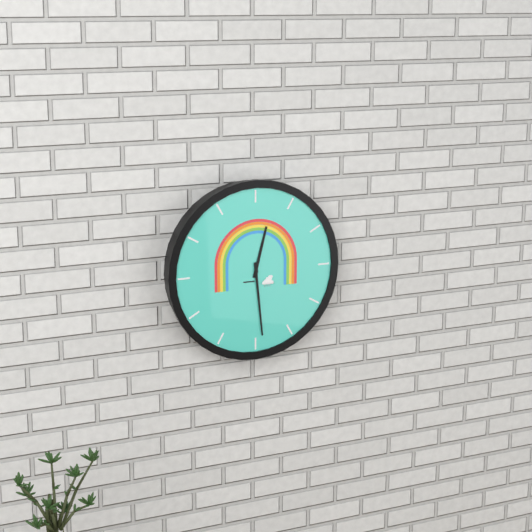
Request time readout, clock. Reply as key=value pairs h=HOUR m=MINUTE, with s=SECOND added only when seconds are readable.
h=12 m=29
